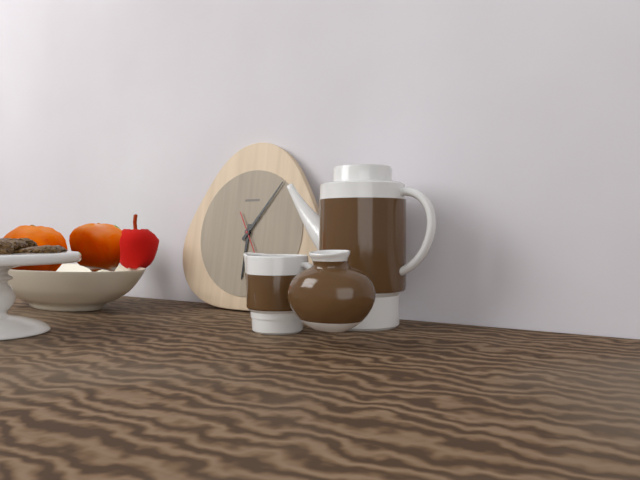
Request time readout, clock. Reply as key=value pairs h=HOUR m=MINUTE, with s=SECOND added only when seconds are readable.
h=6 m=6
